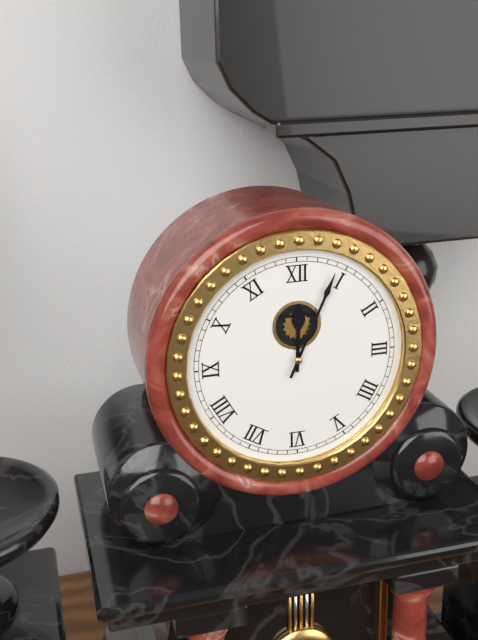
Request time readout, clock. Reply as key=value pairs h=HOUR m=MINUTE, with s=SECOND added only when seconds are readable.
h=12 m=4
